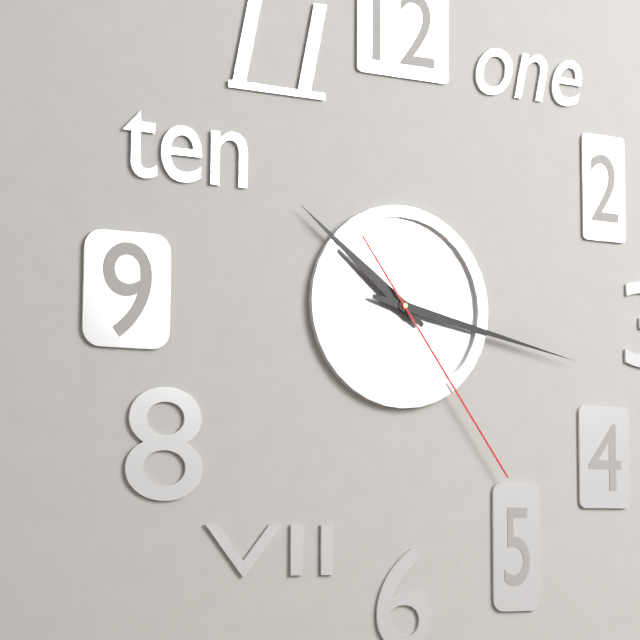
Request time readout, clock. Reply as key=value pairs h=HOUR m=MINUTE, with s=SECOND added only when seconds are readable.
h=10 m=17 s=24
